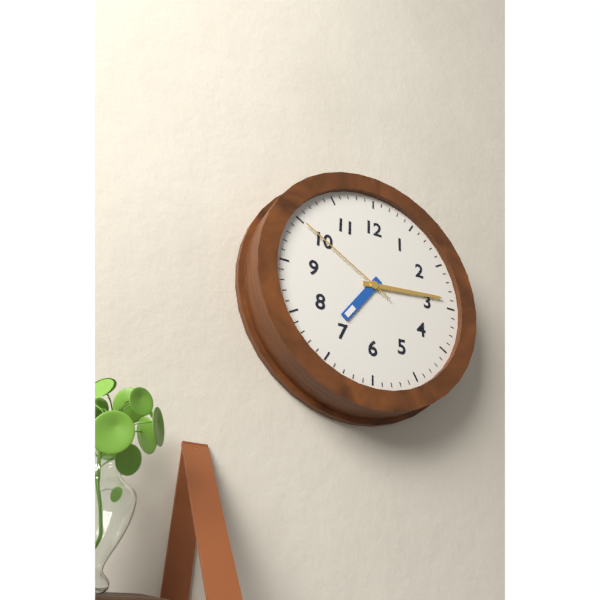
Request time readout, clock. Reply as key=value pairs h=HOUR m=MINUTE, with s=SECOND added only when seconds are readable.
h=7 m=14 s=50
